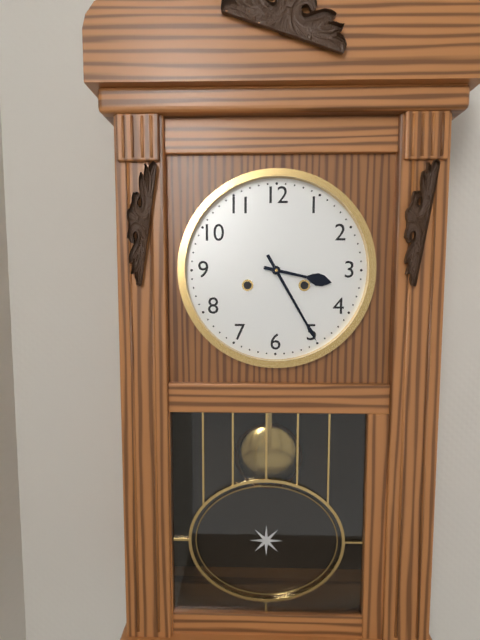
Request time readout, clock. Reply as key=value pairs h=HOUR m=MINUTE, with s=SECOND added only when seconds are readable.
h=3 m=25
